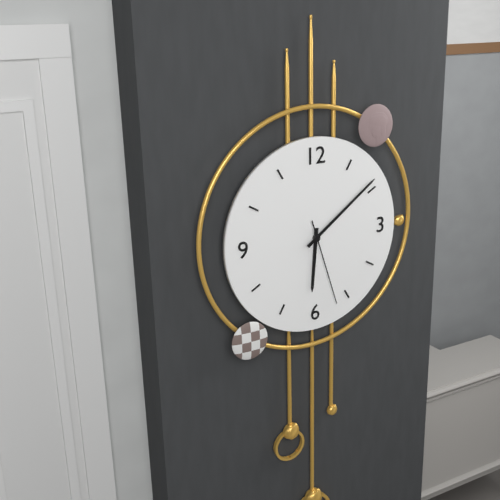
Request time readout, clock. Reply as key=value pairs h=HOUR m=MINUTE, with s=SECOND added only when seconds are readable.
h=6 m=9 s=27
